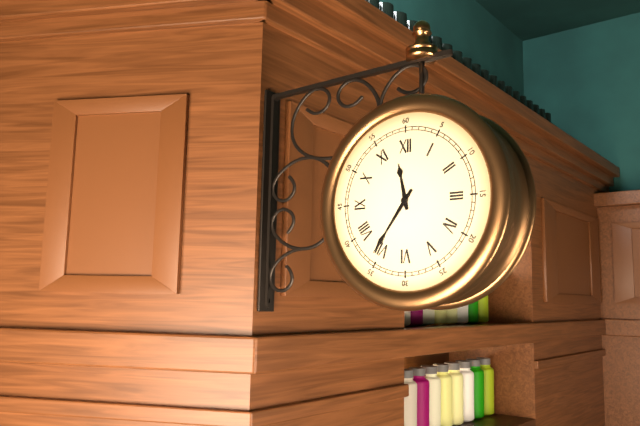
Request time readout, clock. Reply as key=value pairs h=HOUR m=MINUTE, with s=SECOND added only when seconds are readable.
h=11 m=36
